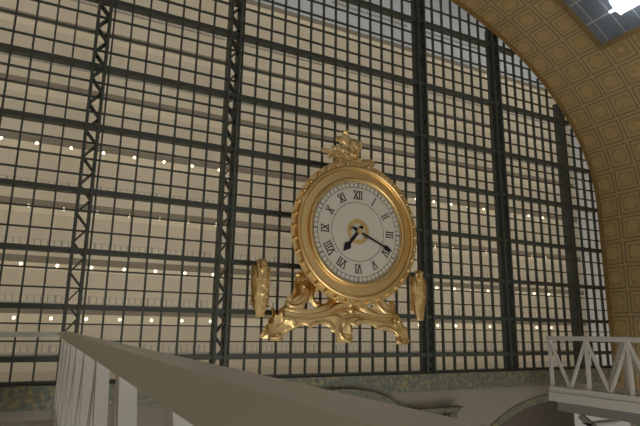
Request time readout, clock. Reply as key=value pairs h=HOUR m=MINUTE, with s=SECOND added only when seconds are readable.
h=7 m=19
